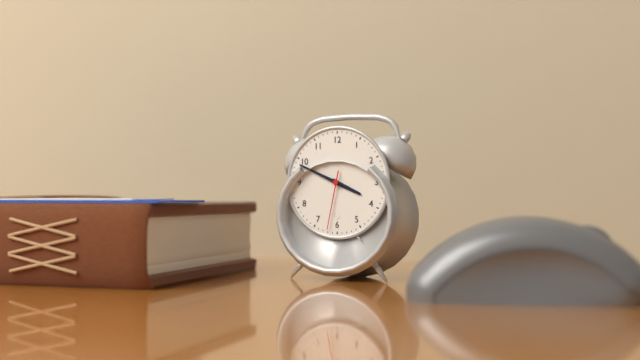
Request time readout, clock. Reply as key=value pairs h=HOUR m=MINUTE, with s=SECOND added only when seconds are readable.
h=3 m=49 s=32
